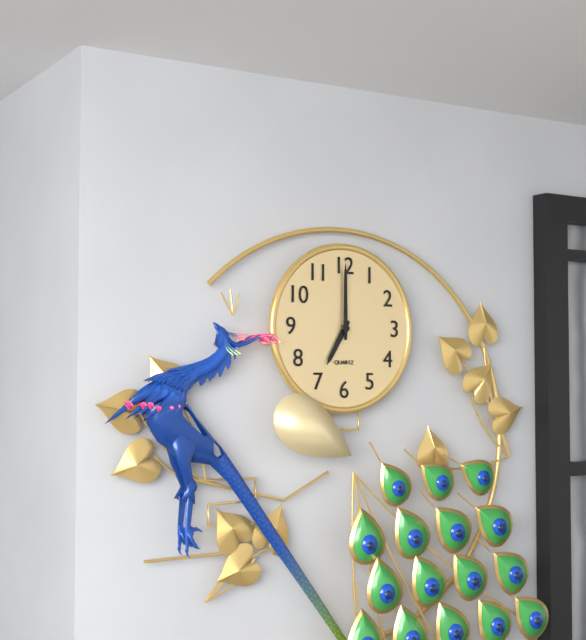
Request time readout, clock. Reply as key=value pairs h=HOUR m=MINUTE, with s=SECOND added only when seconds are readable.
h=7 m=0
